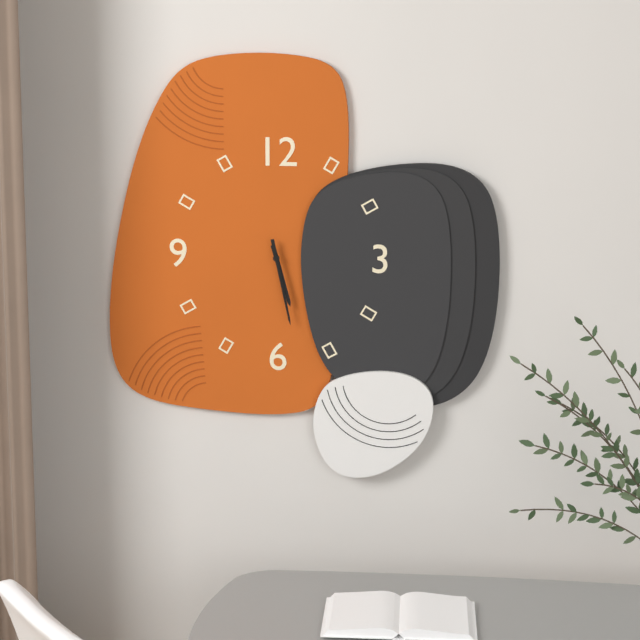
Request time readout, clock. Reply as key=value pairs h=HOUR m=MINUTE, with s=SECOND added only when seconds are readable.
h=5 m=28
